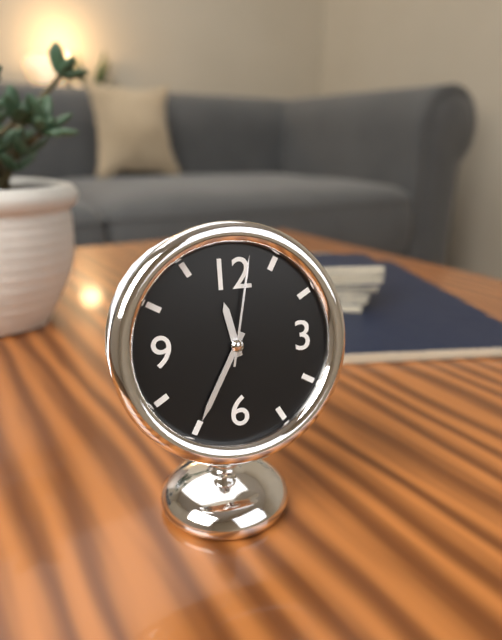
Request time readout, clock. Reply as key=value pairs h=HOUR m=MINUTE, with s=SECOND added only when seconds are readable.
h=11 m=35 s=2
